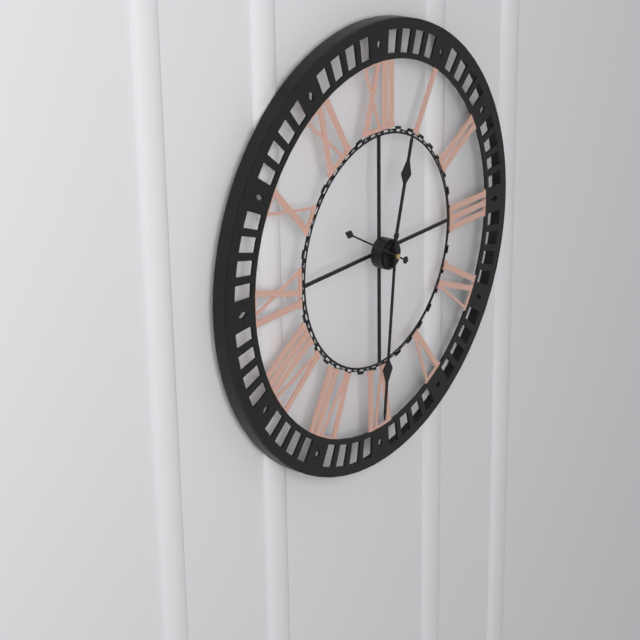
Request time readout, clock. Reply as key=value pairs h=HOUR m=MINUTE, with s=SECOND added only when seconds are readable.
h=12 m=31 s=50
